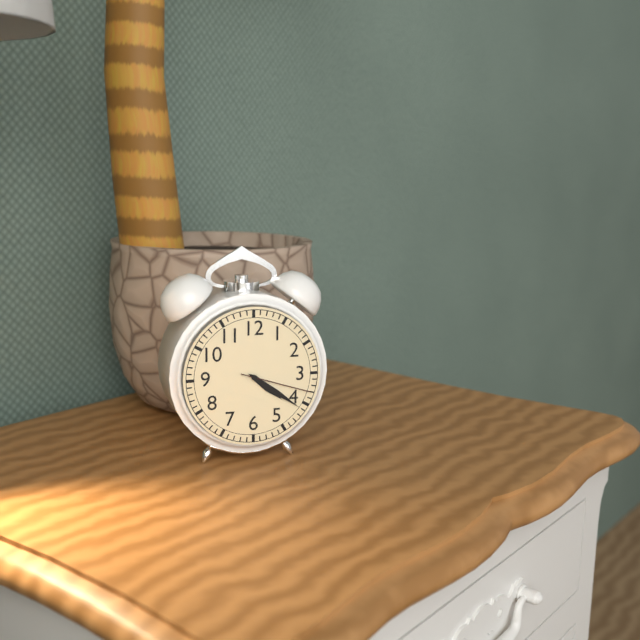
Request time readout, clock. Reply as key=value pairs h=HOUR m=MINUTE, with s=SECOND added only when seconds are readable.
h=4 m=21 s=18
